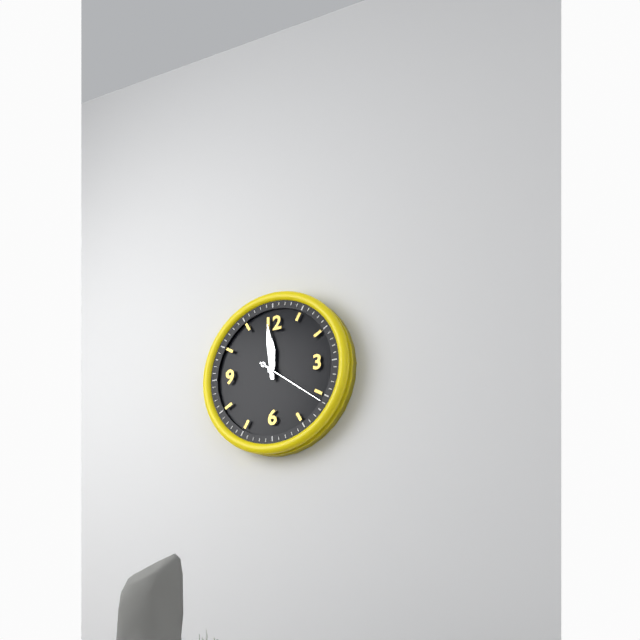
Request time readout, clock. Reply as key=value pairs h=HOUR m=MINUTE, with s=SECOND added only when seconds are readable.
h=11 m=59 s=21
